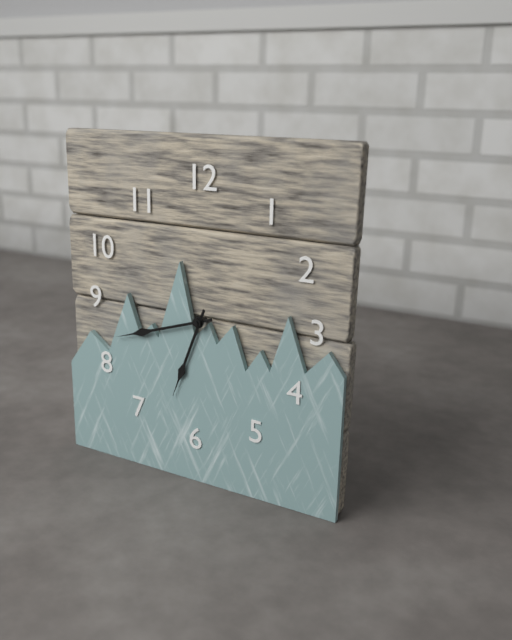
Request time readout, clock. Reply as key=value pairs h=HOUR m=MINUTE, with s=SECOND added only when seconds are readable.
h=6 m=42
